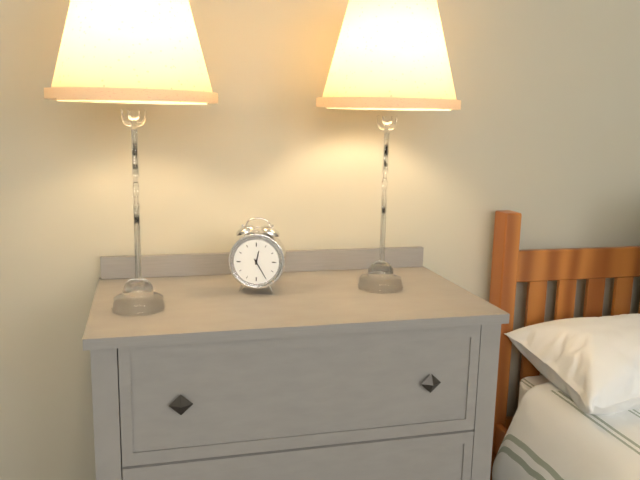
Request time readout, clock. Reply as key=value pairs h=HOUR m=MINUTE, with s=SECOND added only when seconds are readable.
h=12 m=25
